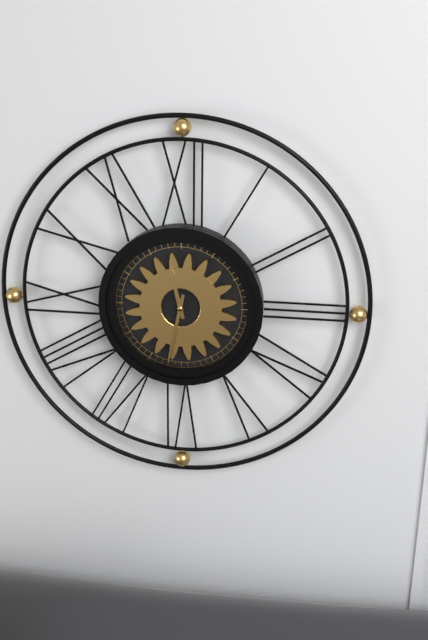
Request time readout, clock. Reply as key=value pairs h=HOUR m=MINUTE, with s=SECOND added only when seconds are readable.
h=11 m=32
